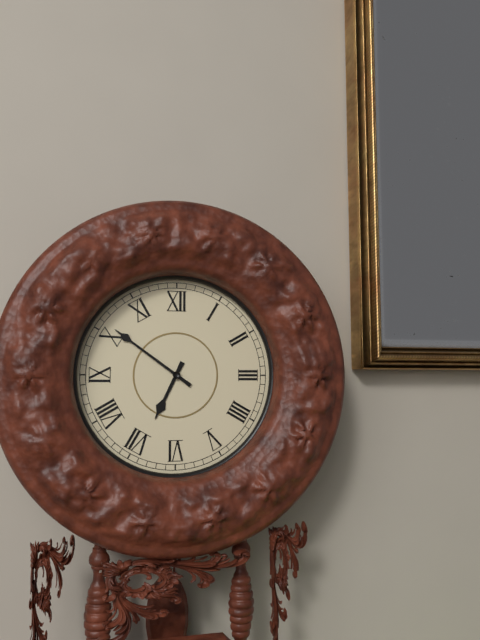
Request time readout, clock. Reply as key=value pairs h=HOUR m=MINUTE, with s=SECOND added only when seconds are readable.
h=6 m=51
